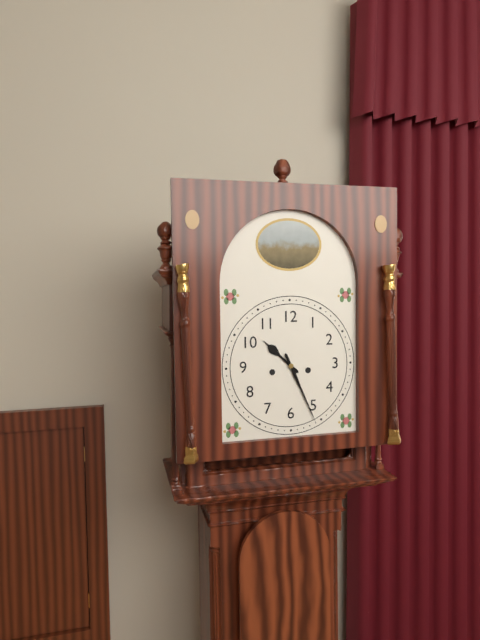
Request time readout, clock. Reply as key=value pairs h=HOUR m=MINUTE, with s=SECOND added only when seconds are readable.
h=10 m=26
